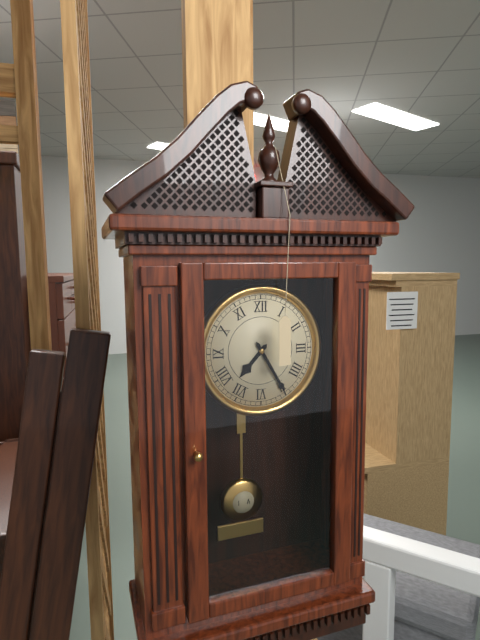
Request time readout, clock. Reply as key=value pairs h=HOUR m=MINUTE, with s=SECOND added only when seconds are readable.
h=7 m=25
